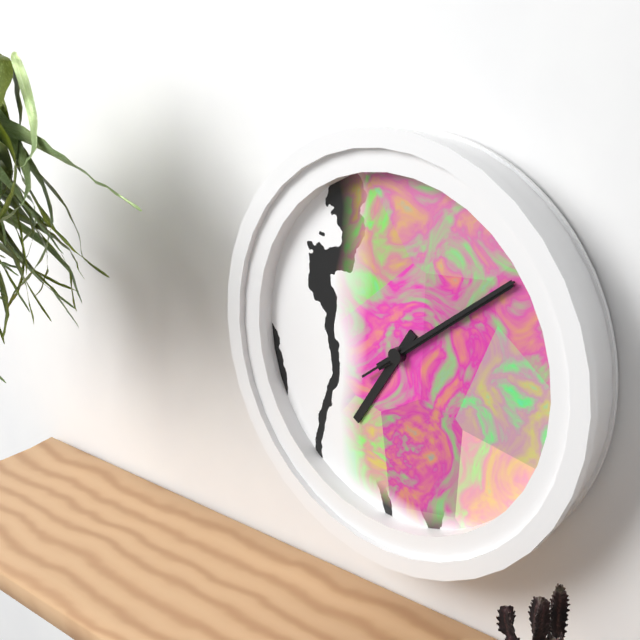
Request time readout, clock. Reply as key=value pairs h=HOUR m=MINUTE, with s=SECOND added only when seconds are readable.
h=7 m=9 s=9
